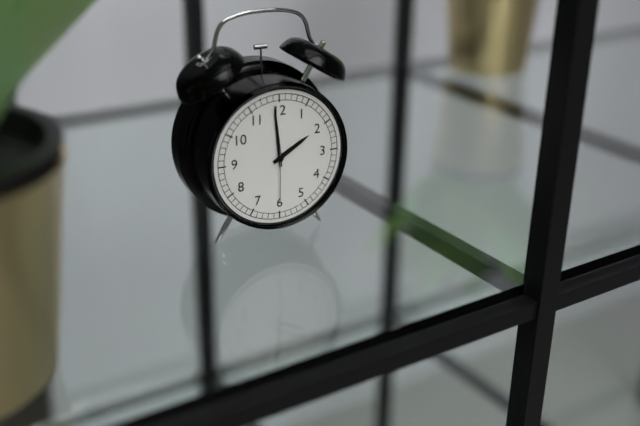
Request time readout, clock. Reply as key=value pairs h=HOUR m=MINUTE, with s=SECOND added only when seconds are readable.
h=1 m=59 s=30
